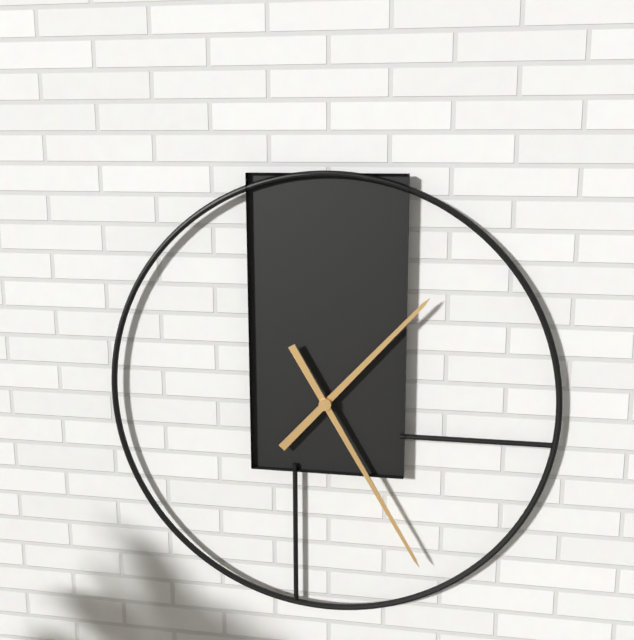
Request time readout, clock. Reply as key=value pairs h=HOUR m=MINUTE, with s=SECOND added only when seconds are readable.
h=1 m=25
